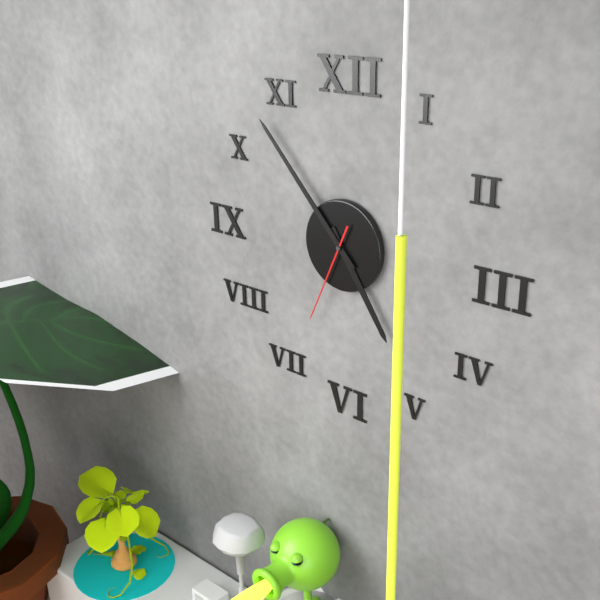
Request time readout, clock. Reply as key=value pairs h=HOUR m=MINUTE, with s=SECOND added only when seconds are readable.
h=4 m=53 s=34
